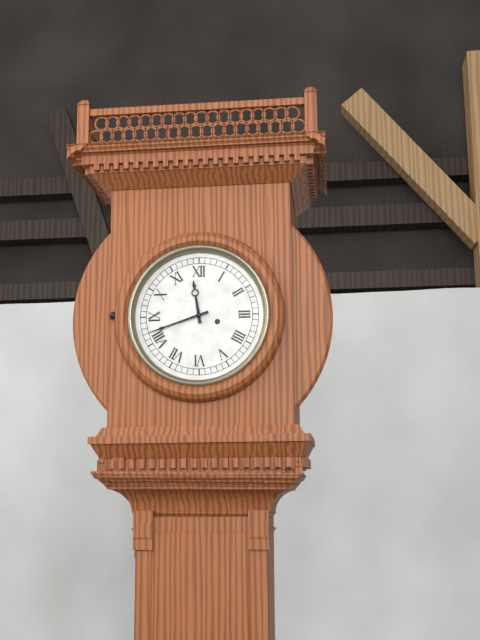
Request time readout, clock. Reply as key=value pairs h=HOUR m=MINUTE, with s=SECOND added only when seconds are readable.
h=11 m=42
